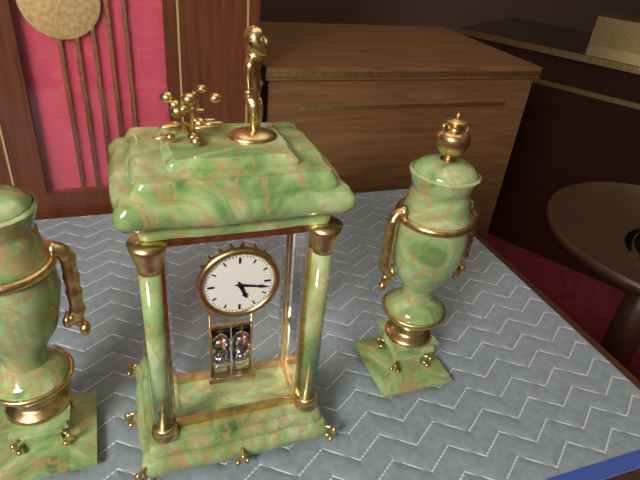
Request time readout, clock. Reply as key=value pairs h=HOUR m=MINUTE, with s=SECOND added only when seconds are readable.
h=5 m=17
